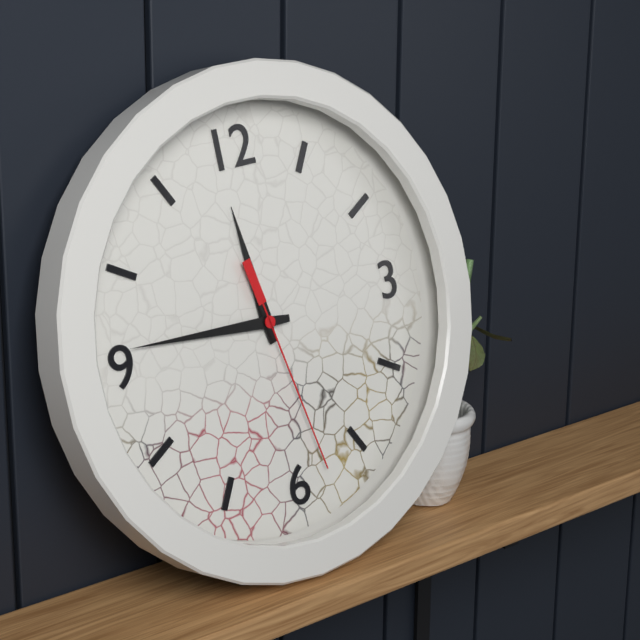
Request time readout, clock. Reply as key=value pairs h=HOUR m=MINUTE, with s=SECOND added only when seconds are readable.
h=11 m=46 s=28
